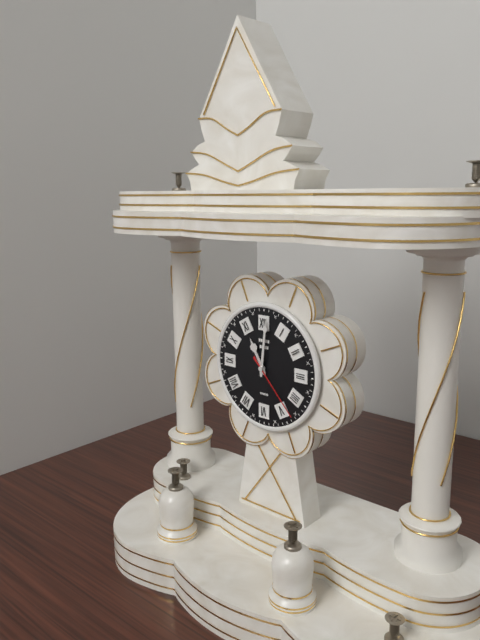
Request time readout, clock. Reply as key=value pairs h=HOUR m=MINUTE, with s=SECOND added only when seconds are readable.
h=11 m=1 s=23
